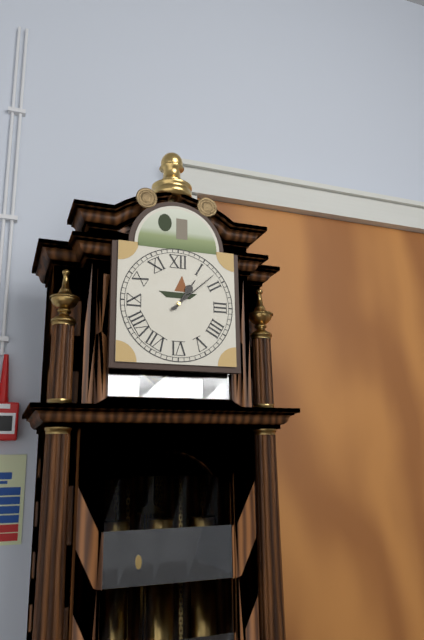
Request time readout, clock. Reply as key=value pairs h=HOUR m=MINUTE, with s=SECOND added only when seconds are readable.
h=1 m=8
